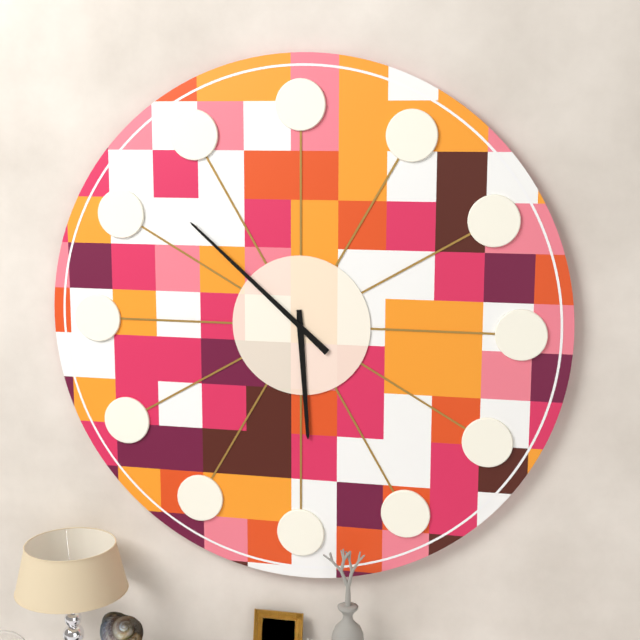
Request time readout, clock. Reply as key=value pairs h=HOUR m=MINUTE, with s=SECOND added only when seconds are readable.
h=5 m=52
